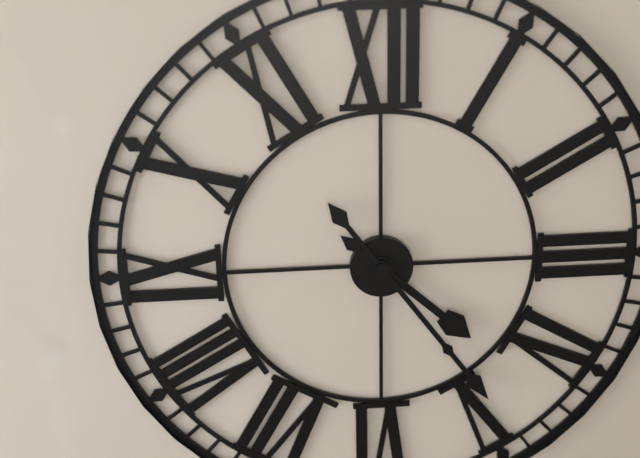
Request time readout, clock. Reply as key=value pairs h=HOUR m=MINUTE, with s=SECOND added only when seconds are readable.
h=4 m=24
